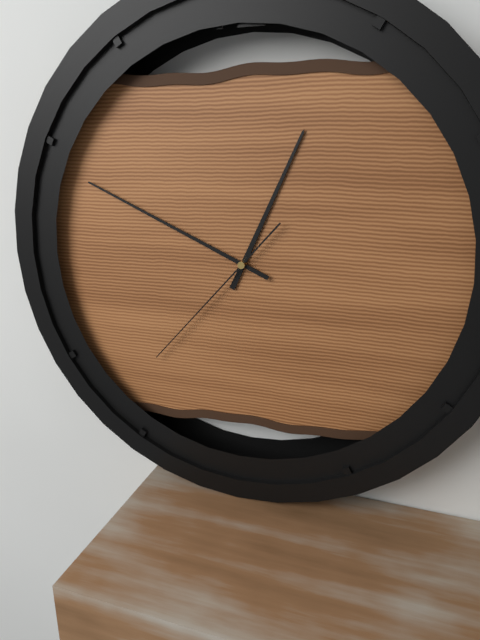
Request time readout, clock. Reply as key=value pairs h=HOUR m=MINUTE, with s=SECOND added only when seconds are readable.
h=12 m=49 s=37
